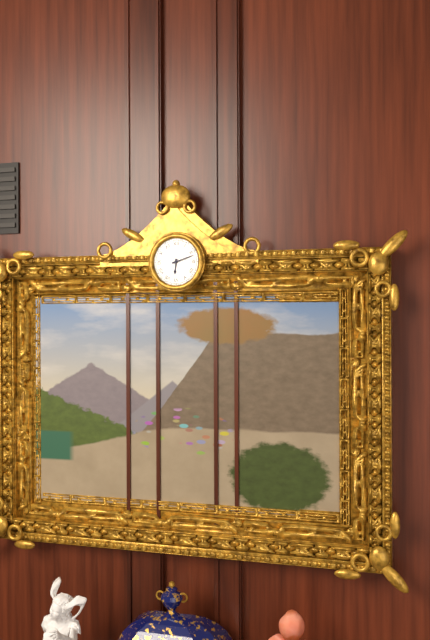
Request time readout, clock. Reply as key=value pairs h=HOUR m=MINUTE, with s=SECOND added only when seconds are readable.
h=6 m=12
